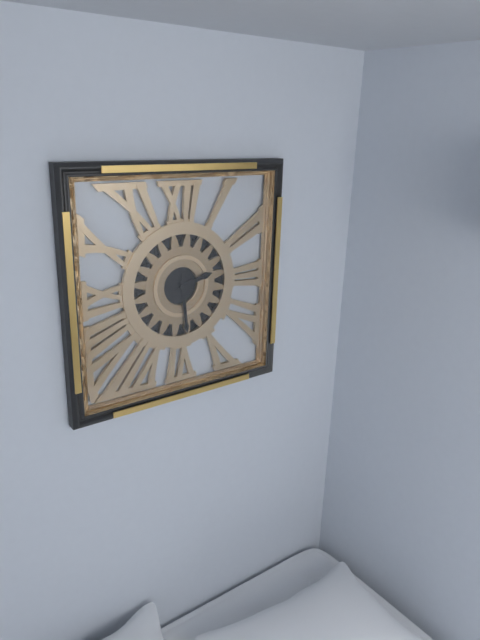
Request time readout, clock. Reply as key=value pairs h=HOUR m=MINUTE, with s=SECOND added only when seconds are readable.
h=2 m=29
